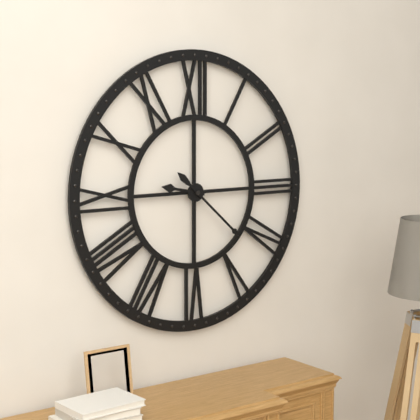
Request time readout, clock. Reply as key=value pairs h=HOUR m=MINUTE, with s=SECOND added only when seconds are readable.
h=9 m=22
